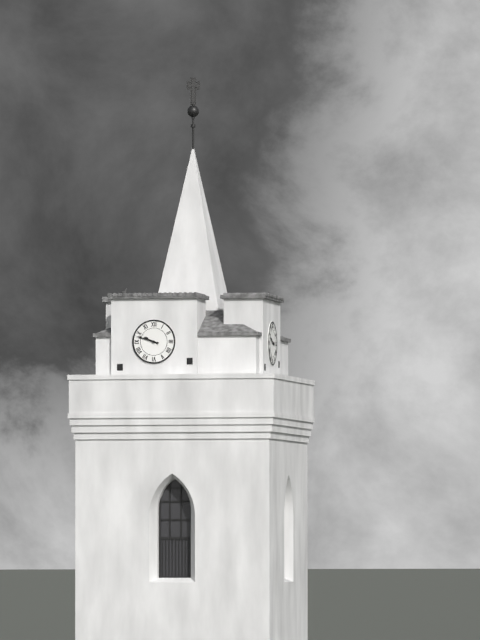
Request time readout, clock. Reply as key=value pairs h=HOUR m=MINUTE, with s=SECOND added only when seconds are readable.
h=9 m=48
